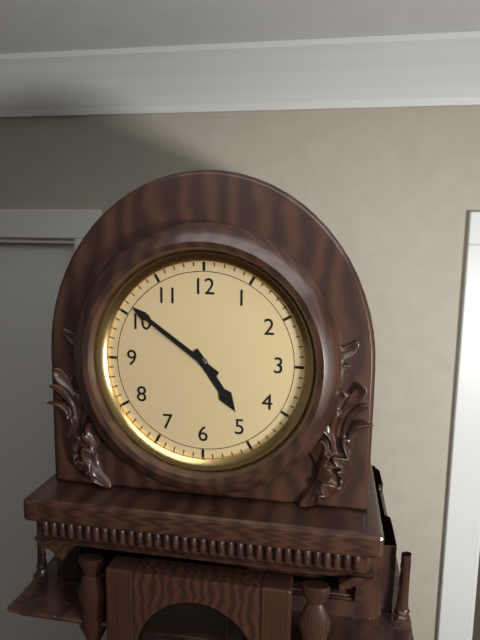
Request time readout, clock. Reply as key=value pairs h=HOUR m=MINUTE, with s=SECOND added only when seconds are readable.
h=4 m=51
